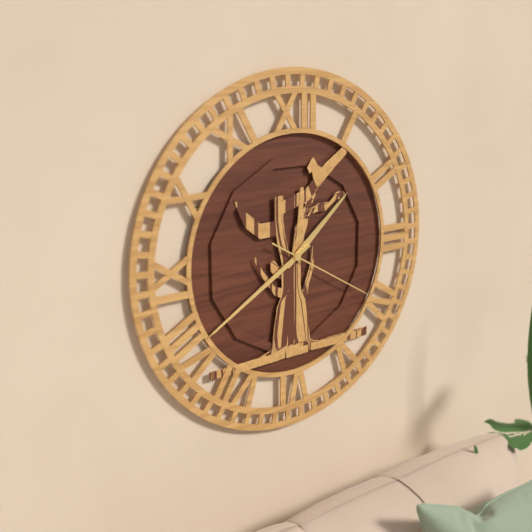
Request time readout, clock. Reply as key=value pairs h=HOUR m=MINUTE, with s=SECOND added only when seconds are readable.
h=1 m=40 s=20
